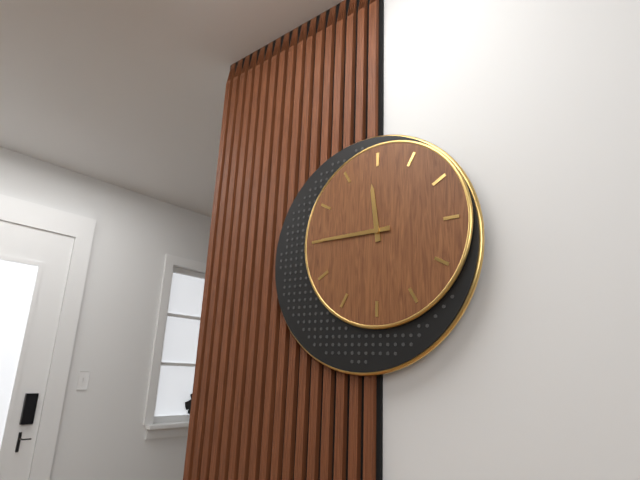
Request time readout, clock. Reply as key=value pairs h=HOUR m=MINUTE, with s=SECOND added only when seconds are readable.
h=11 m=45
